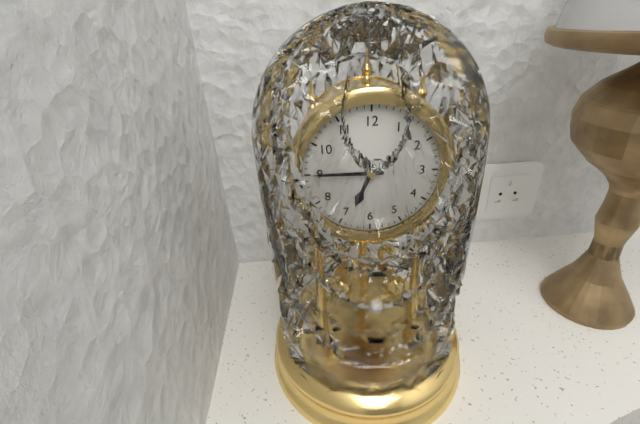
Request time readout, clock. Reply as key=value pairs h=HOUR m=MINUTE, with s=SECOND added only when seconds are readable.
h=6 m=45
